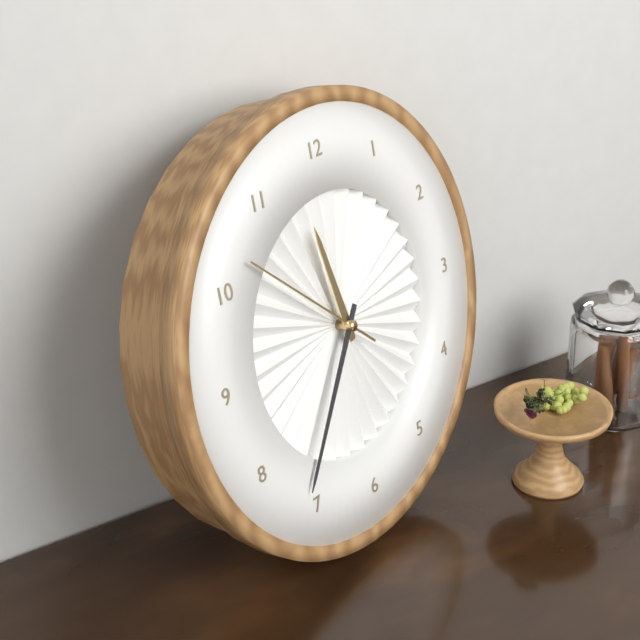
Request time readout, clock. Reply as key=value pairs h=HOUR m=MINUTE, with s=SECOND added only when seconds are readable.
h=11 m=36 s=52
